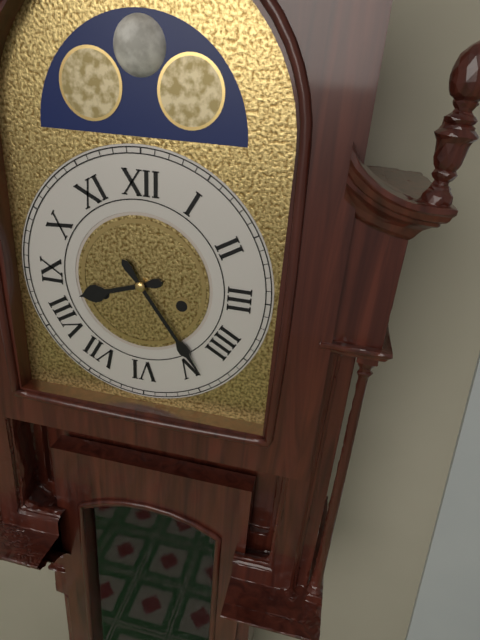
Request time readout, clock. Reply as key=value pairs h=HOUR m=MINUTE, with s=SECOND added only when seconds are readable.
h=8 m=24
